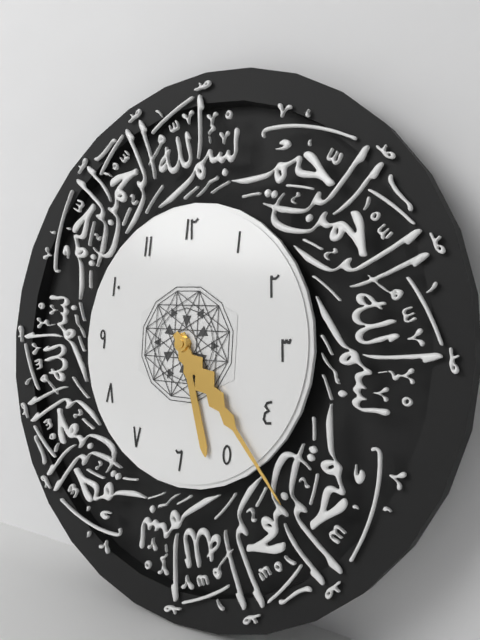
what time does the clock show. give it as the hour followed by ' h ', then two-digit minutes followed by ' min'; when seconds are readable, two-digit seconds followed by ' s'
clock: 5 h 23 min
